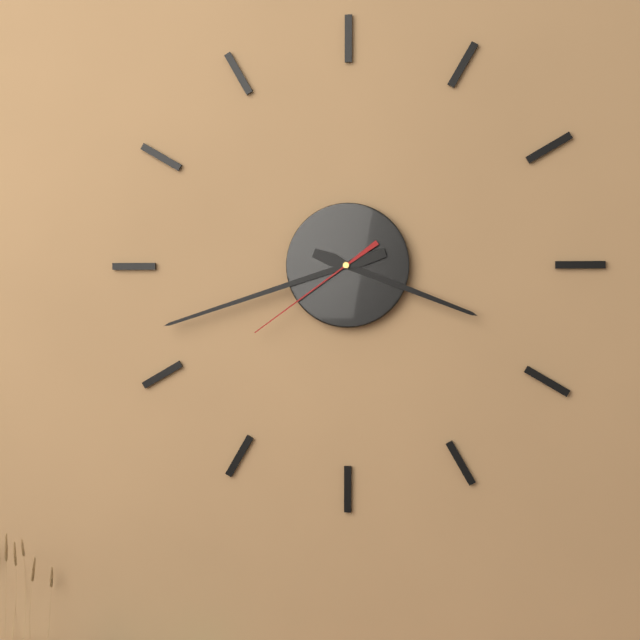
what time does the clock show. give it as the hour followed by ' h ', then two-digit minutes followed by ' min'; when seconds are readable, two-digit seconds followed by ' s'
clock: 3 h 42 min 39 s
